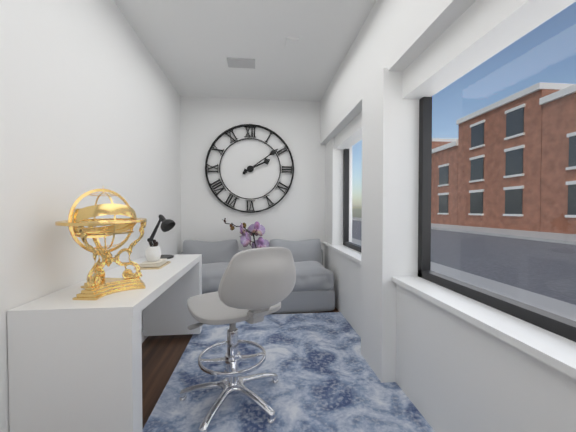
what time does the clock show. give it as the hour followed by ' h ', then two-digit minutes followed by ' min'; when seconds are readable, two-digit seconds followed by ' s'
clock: 2 h 09 min
